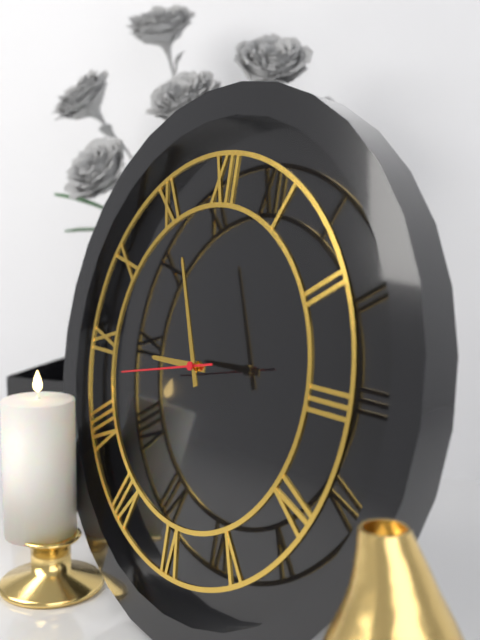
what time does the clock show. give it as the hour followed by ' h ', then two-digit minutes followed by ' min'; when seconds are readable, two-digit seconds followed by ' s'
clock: 8 h 56 min 43 s
